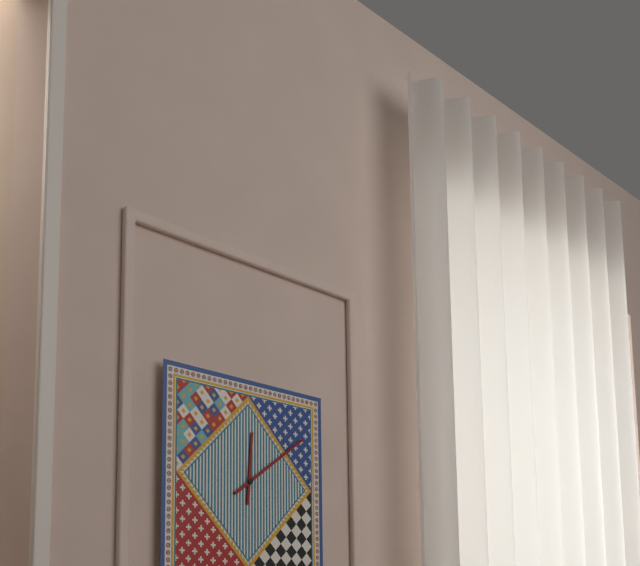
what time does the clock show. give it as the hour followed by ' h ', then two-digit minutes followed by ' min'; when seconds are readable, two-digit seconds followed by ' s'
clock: 12 h 09 min
